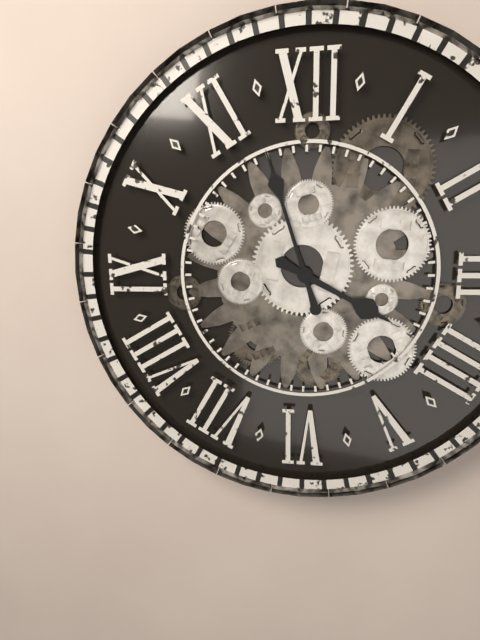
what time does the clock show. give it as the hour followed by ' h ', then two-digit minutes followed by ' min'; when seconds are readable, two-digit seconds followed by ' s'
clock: 3 h 57 min
